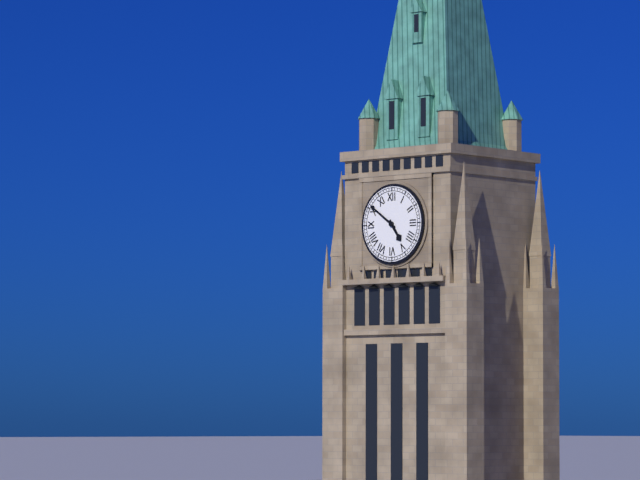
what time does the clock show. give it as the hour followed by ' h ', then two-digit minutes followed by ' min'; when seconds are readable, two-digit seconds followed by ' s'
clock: 4 h 51 min
